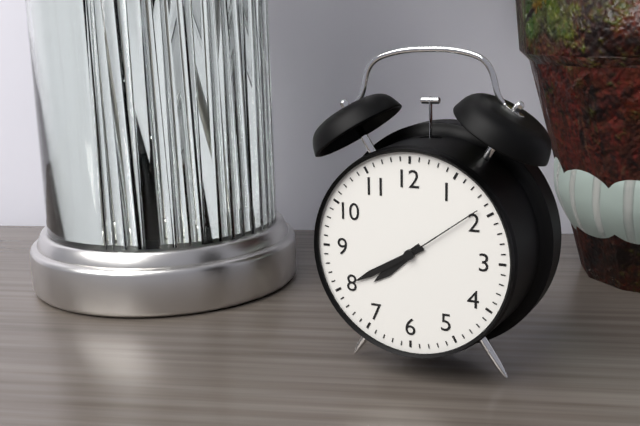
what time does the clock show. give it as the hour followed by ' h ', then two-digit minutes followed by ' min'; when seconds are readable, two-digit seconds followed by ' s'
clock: 7 h 40 min 09 s
